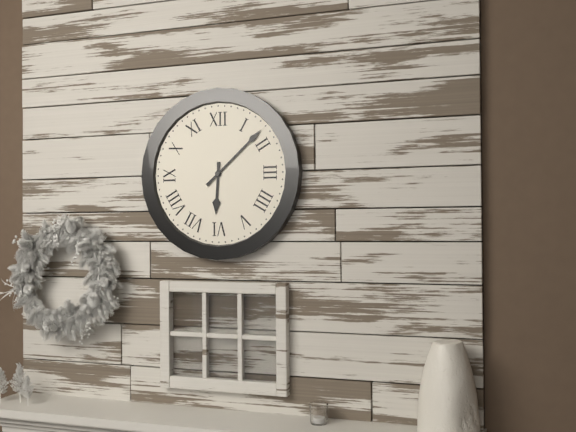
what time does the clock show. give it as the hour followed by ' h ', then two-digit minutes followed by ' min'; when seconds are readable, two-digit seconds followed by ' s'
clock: 6 h 08 min
